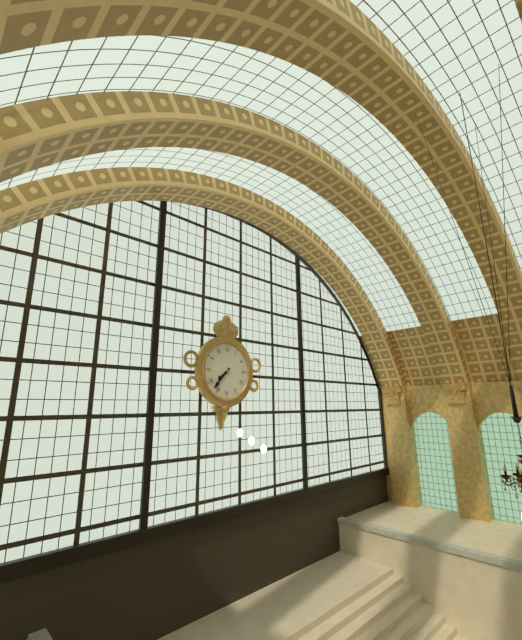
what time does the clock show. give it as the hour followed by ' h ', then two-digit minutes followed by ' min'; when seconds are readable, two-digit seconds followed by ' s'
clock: 7 h 37 min
